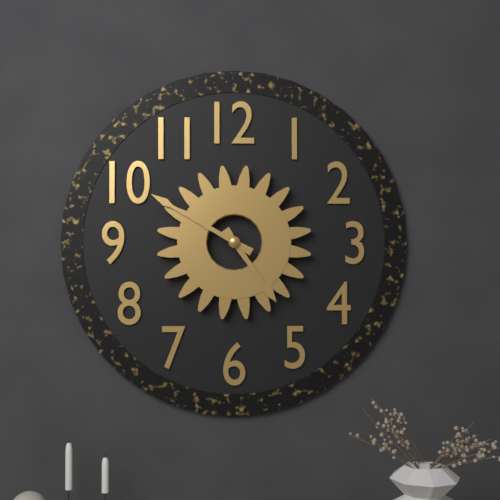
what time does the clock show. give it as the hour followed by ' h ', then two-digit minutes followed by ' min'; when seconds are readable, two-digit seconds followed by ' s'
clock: 4 h 50 min
